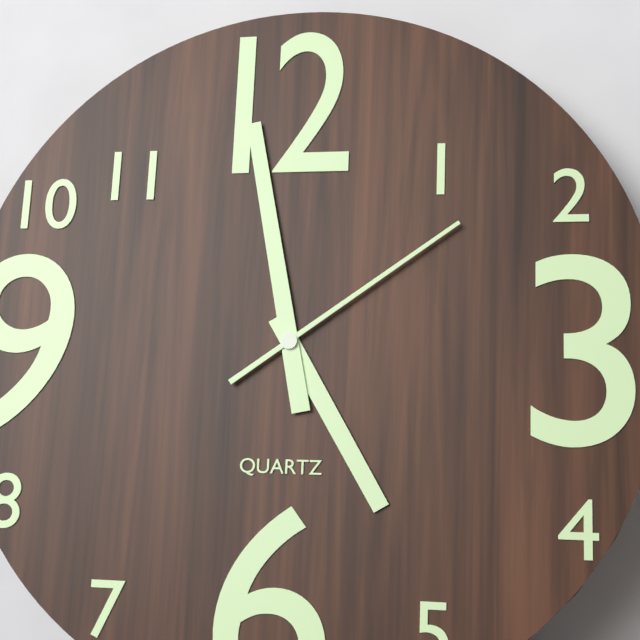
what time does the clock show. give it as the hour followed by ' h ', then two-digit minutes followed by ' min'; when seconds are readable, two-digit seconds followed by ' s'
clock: 4 h 58 min 09 s
